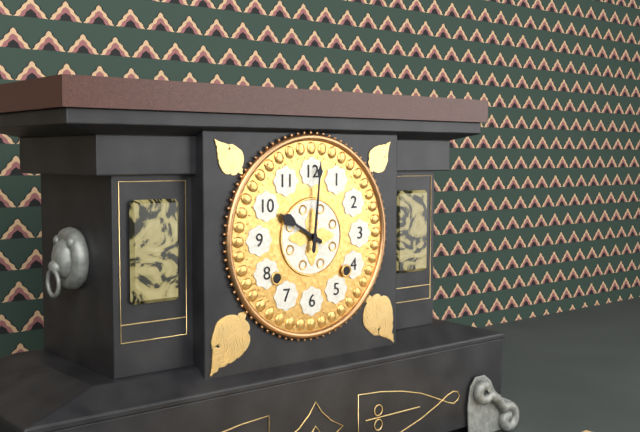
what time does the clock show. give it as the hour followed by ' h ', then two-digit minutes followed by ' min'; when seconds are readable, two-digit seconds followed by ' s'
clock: 10 h 01 min
